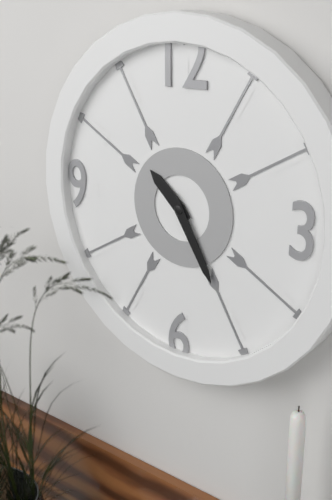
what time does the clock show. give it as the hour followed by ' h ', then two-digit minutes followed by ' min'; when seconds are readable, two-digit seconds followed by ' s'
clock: 10 h 25 min
